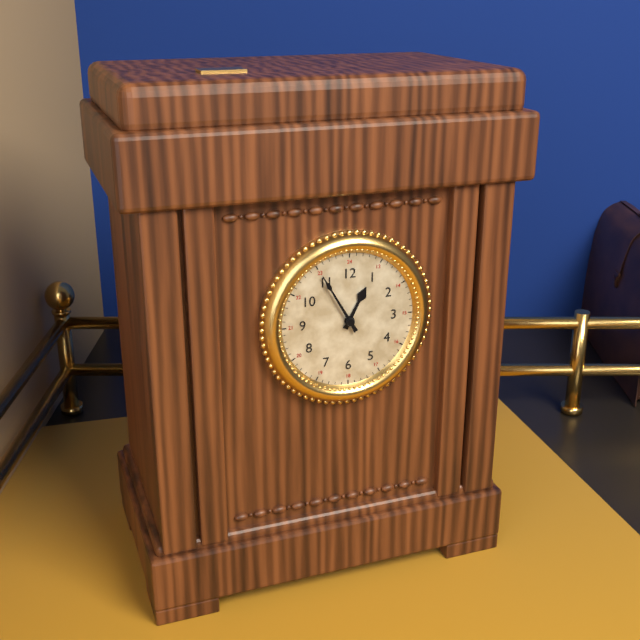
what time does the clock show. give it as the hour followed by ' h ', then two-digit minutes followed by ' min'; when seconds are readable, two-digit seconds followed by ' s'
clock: 12 h 55 min
